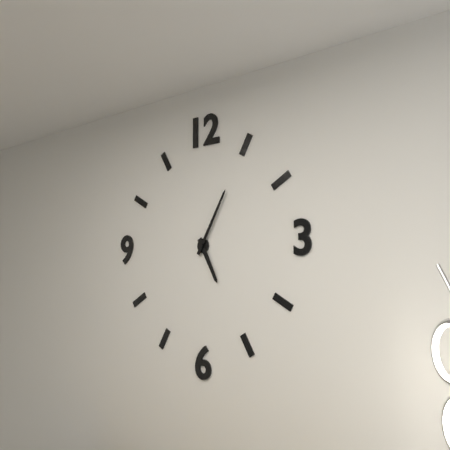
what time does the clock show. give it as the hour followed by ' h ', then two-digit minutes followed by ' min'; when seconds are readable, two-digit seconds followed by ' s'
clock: 5 h 05 min
